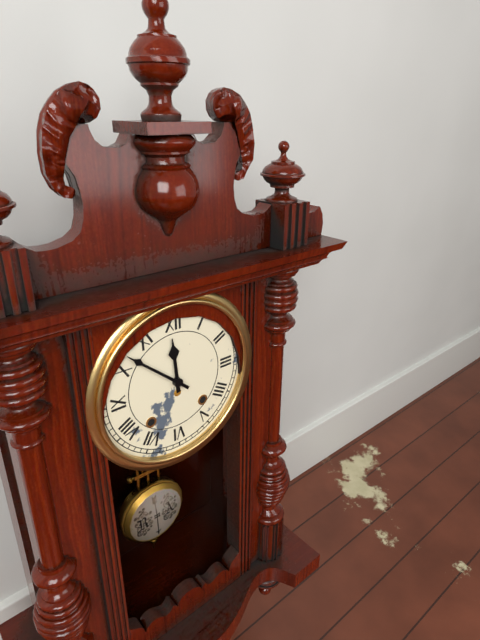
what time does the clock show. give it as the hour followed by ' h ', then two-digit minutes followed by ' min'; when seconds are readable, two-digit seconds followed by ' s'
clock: 11 h 52 min
